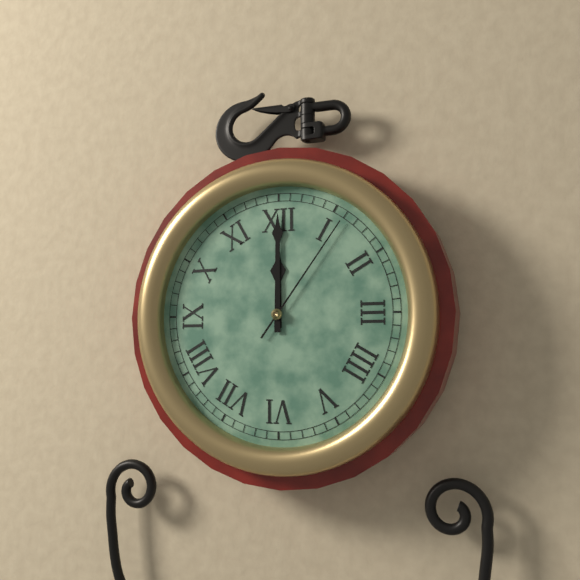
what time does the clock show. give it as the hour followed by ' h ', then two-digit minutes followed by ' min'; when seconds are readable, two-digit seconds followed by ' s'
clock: 12 h 00 min 06 s
